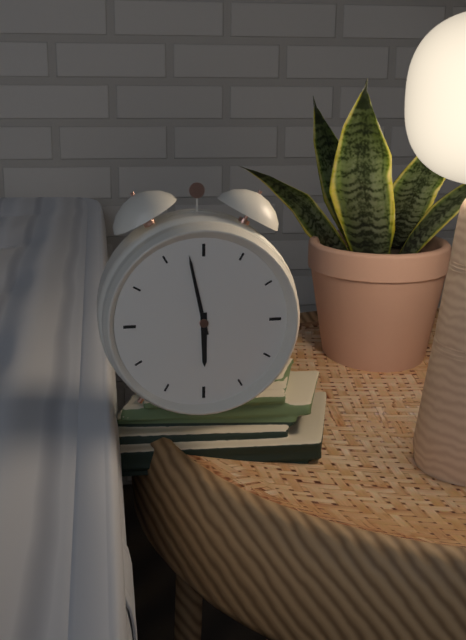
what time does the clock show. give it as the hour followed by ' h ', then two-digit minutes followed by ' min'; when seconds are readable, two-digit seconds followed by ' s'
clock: 5 h 58 min
